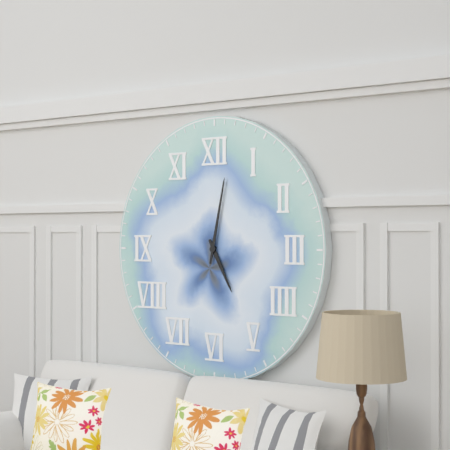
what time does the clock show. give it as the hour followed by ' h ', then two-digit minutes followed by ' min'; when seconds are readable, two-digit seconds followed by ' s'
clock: 5 h 02 min
